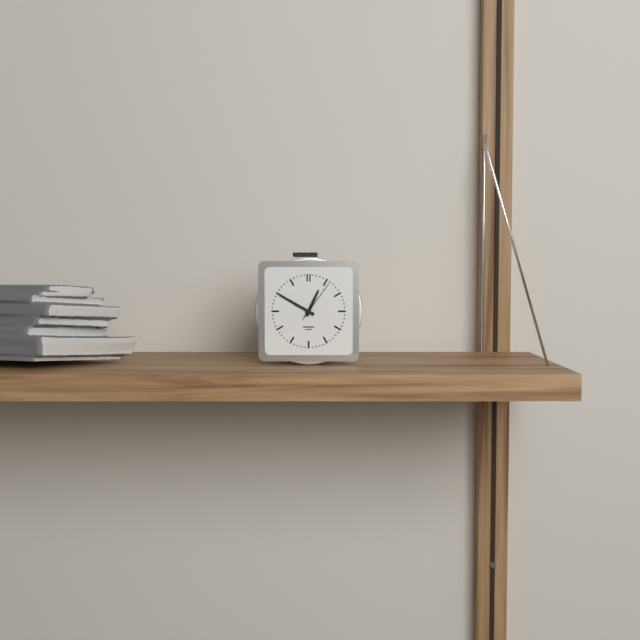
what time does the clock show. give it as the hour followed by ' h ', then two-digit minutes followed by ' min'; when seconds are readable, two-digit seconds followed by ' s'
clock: 12 h 50 min
